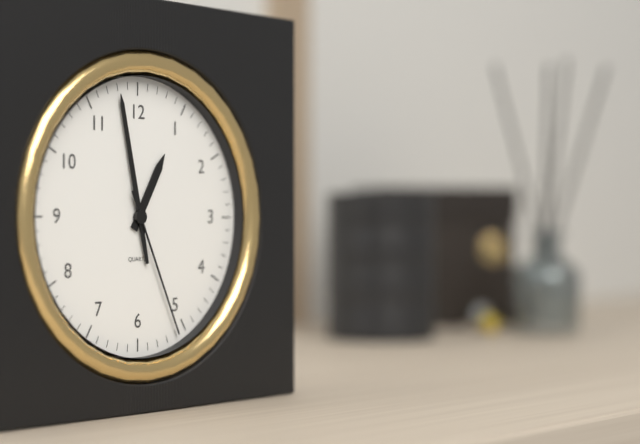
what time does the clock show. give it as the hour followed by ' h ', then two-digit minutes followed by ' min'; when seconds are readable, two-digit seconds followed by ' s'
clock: 12 h 58 min 26 s
